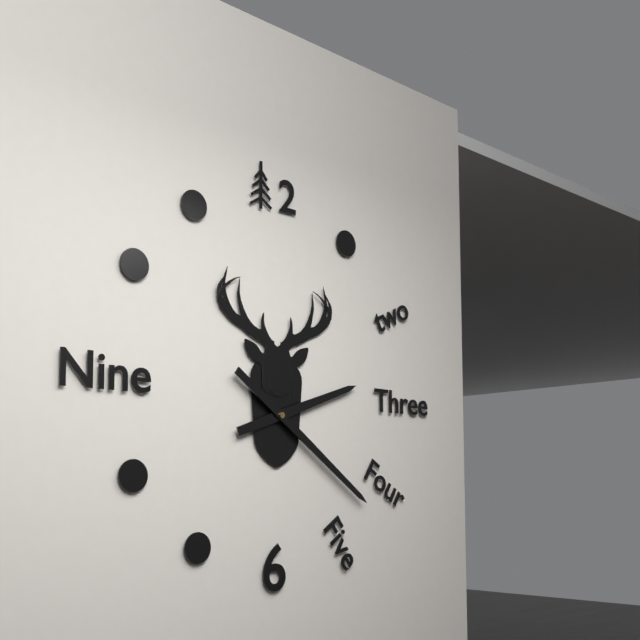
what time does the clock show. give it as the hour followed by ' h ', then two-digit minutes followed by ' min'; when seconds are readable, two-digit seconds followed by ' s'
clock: 2 h 21 min
